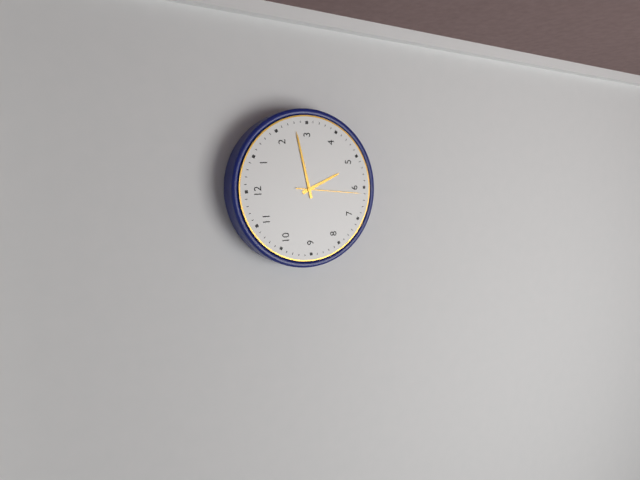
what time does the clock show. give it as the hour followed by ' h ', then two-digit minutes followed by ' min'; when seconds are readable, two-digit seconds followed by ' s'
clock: 5 h 13 min 31 s
